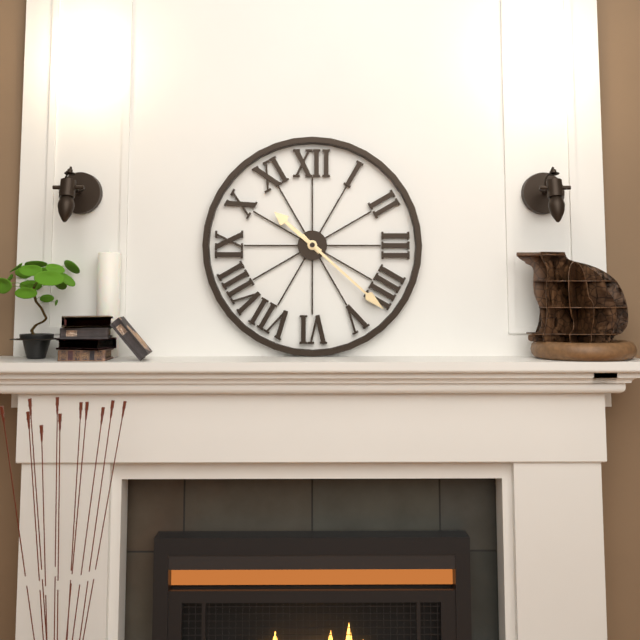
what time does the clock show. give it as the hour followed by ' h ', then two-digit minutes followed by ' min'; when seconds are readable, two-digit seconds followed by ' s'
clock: 10 h 22 min
